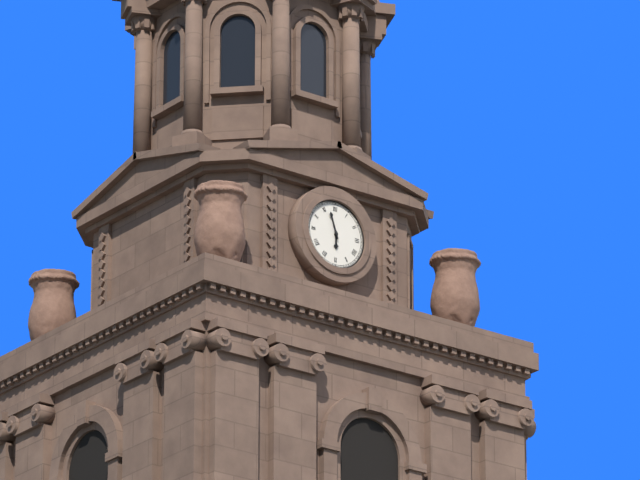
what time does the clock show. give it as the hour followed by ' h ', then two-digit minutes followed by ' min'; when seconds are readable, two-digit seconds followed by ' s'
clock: 5 h 57 min
